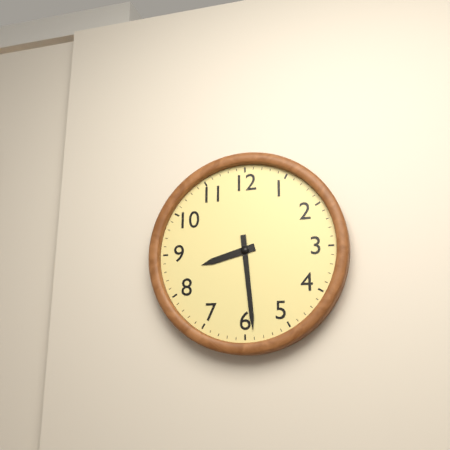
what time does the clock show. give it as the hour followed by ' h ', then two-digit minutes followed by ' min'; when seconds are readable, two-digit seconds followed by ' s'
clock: 8 h 29 min
